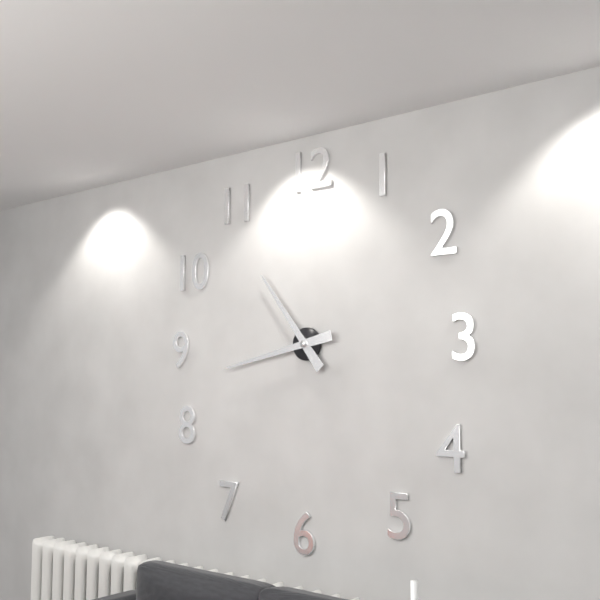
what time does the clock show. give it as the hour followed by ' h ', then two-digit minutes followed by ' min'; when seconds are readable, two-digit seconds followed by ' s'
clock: 10 h 43 min
